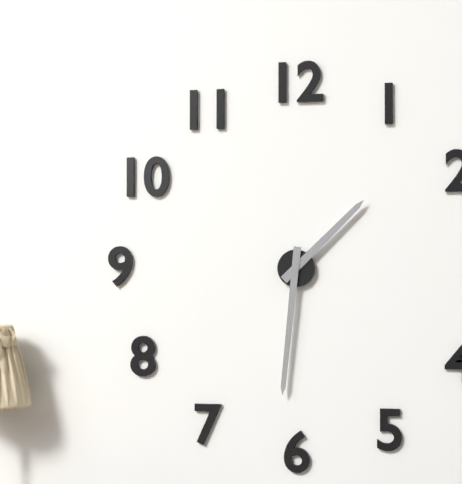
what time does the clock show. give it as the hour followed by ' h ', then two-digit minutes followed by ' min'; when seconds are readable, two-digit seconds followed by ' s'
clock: 1 h 31 min
